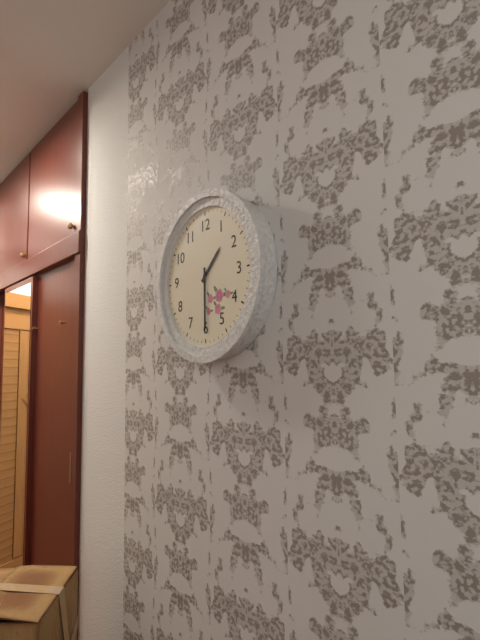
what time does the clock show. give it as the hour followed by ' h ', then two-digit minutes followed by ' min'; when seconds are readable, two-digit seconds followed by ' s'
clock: 1 h 30 min
